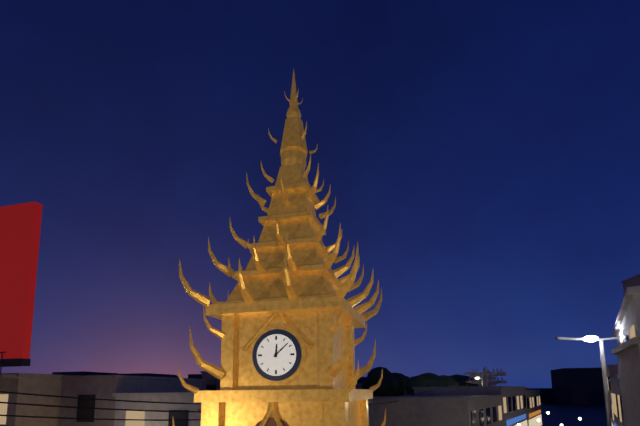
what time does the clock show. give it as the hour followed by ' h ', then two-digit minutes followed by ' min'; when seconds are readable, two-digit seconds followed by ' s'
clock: 12 h 08 min
